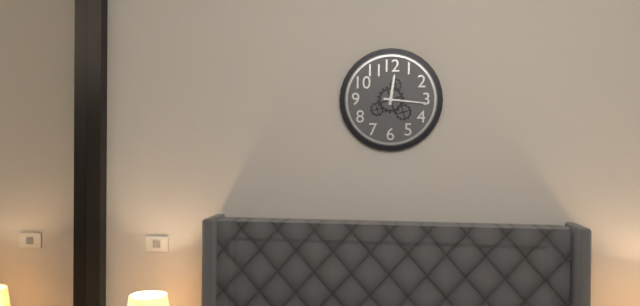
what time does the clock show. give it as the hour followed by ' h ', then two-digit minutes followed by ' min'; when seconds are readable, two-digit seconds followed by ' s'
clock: 12 h 16 min
